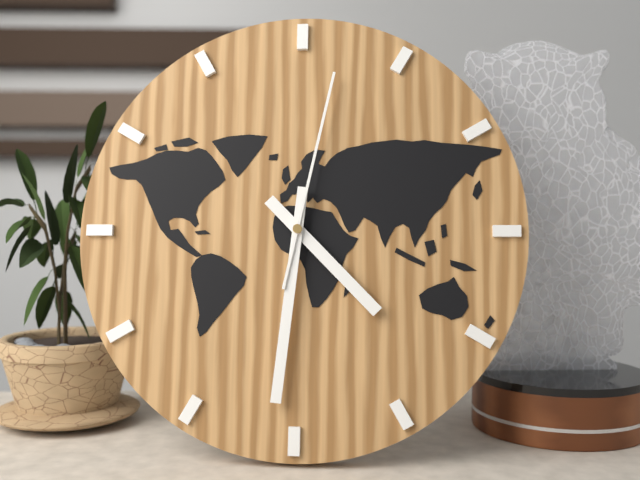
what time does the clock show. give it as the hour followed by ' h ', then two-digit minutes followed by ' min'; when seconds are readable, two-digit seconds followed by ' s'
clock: 4 h 31 min 02 s
